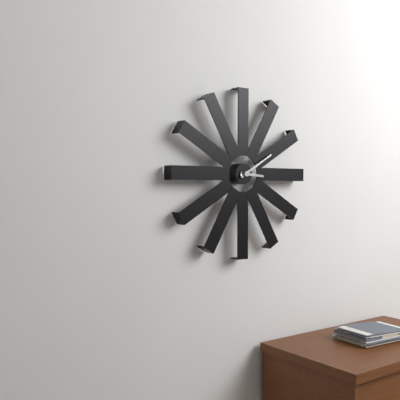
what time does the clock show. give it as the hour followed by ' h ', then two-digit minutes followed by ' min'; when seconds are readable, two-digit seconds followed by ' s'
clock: 3 h 10 min
